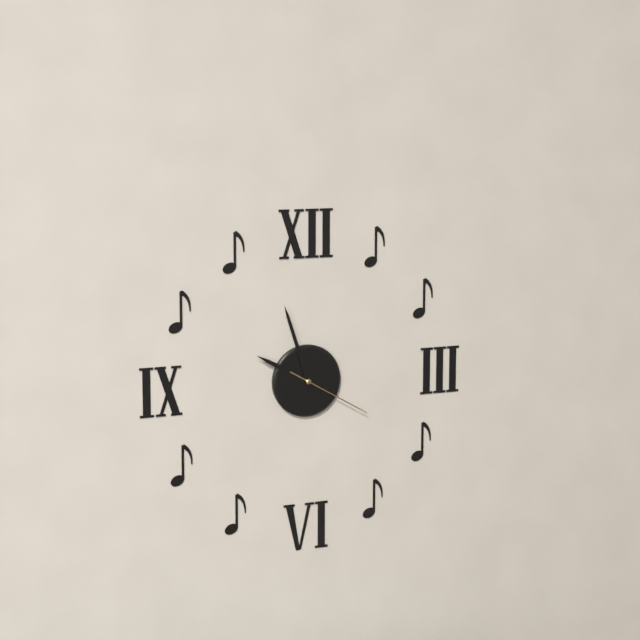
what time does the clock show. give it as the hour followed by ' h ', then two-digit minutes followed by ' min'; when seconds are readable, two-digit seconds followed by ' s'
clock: 9 h 57 min 20 s
